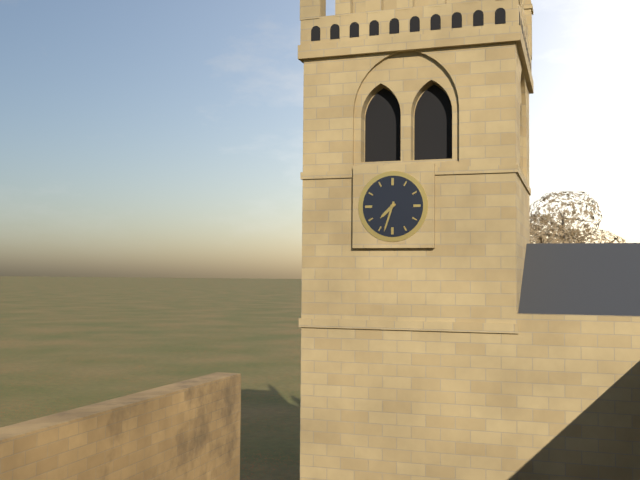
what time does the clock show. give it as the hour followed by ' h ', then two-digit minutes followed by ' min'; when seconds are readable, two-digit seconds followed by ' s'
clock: 7 h 33 min
